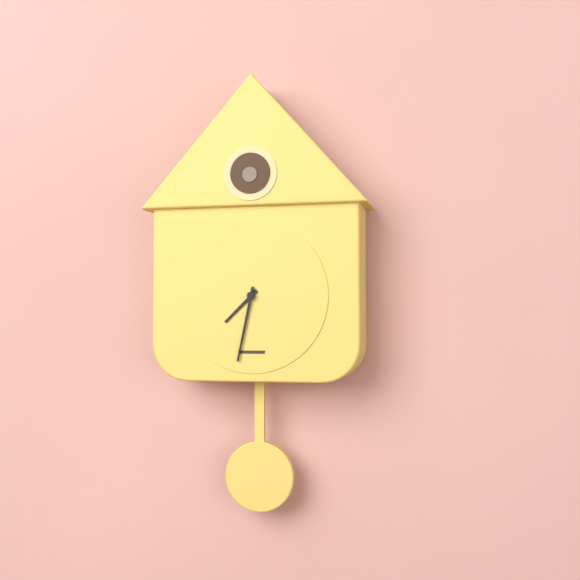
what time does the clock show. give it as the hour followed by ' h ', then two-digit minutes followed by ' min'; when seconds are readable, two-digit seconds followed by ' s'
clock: 7 h 32 min
